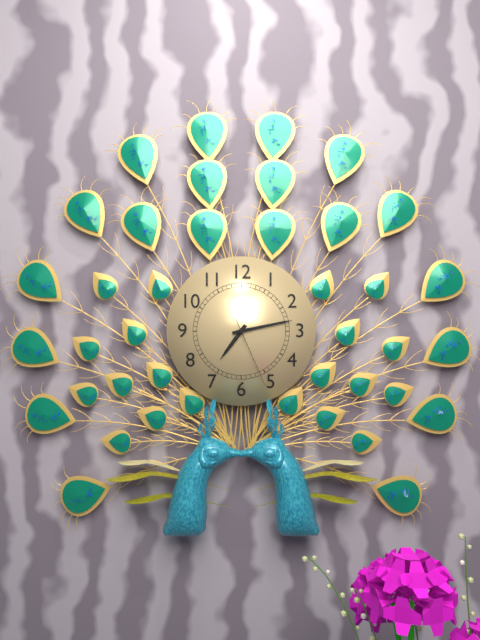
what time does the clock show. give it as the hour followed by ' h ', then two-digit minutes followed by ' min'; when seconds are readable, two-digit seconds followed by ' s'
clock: 7 h 13 min 26 s
